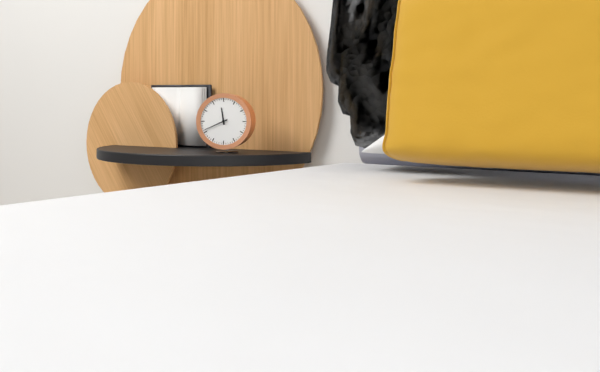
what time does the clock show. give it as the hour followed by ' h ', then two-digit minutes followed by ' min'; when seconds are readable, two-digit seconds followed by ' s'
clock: 11 h 41 min
